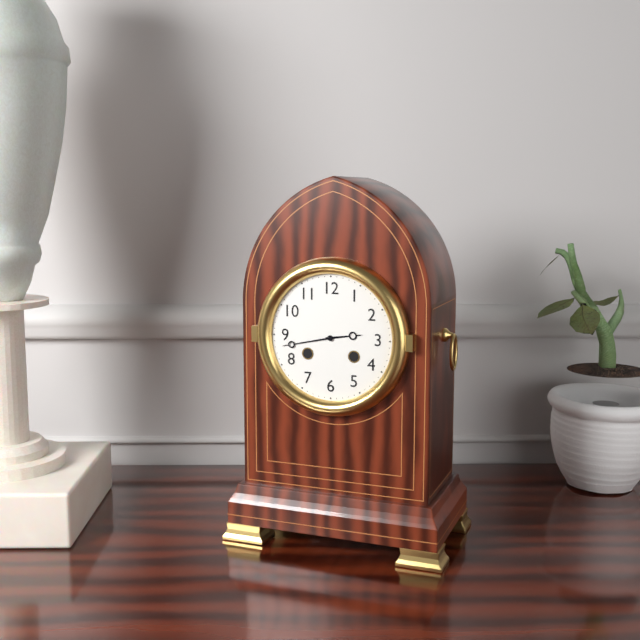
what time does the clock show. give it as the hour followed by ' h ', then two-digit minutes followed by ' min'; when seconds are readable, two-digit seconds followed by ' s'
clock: 2 h 43 min
